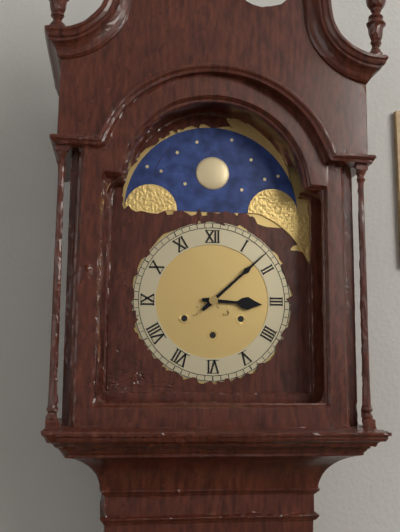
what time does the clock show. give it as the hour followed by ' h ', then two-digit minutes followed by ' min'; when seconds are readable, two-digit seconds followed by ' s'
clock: 3 h 08 min
